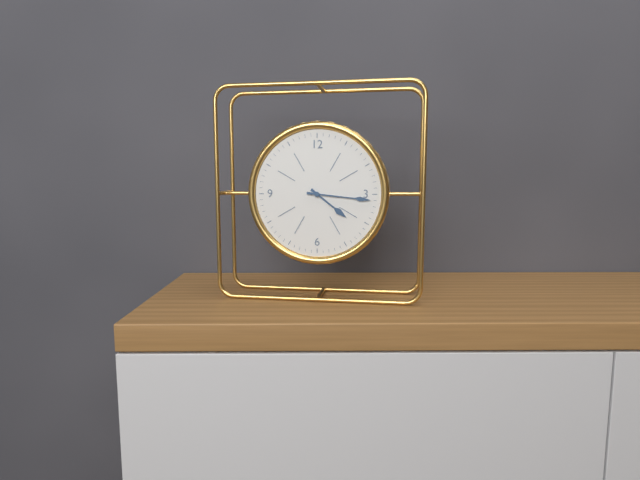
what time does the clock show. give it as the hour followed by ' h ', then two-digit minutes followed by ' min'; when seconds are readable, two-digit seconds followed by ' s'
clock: 4 h 16 min
